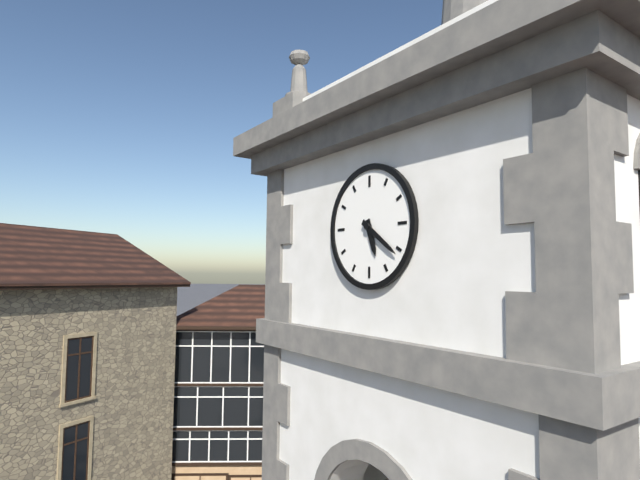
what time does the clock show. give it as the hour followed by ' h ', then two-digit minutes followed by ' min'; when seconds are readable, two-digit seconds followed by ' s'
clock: 5 h 21 min
